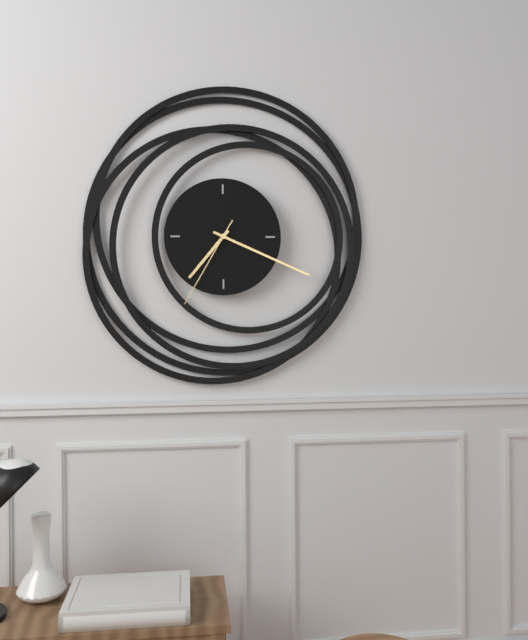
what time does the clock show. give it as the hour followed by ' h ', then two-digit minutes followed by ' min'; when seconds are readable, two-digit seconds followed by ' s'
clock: 7 h 19 min 35 s
